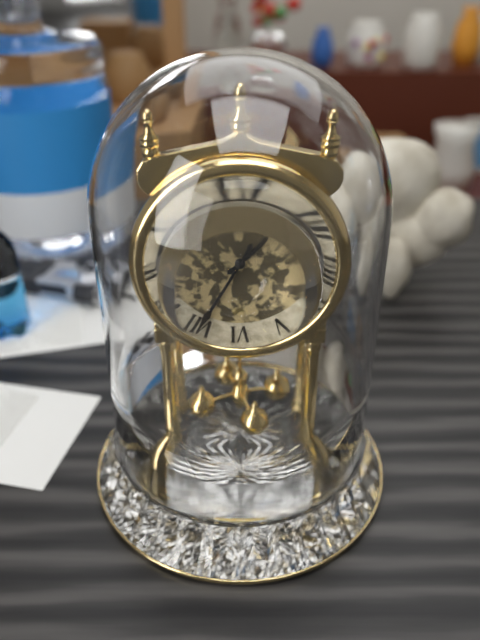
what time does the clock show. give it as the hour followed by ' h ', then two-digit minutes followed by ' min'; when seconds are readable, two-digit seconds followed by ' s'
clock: 1 h 35 min
